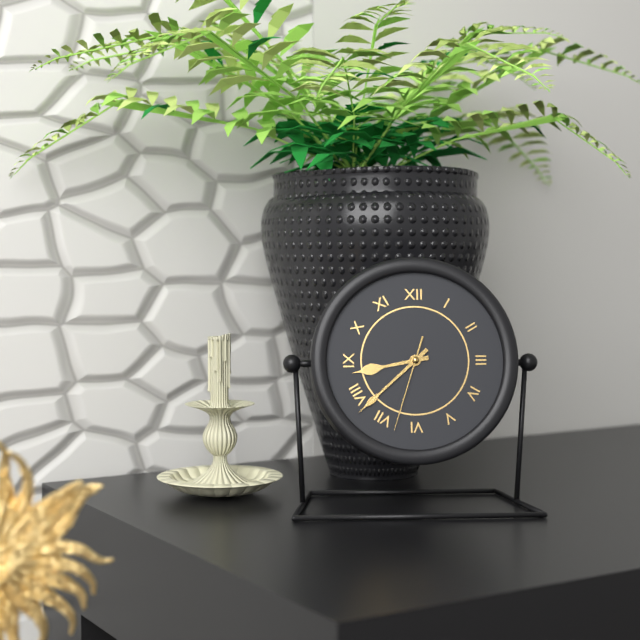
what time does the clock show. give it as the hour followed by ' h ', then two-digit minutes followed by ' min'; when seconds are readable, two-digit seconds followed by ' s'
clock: 8 h 38 min 33 s
